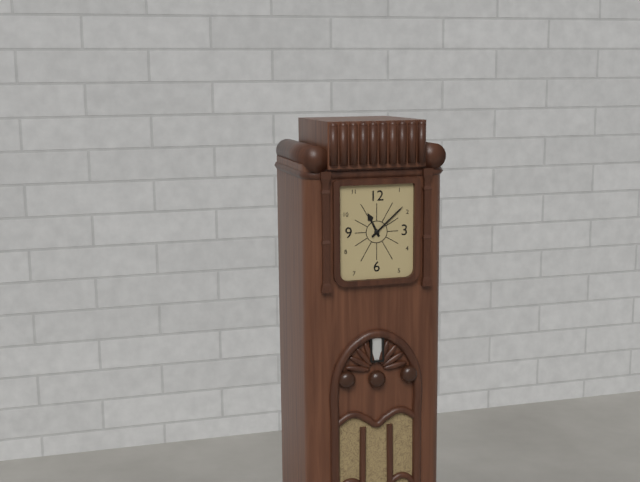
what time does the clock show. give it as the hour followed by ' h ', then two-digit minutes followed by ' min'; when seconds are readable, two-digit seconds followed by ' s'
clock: 11 h 08 min
